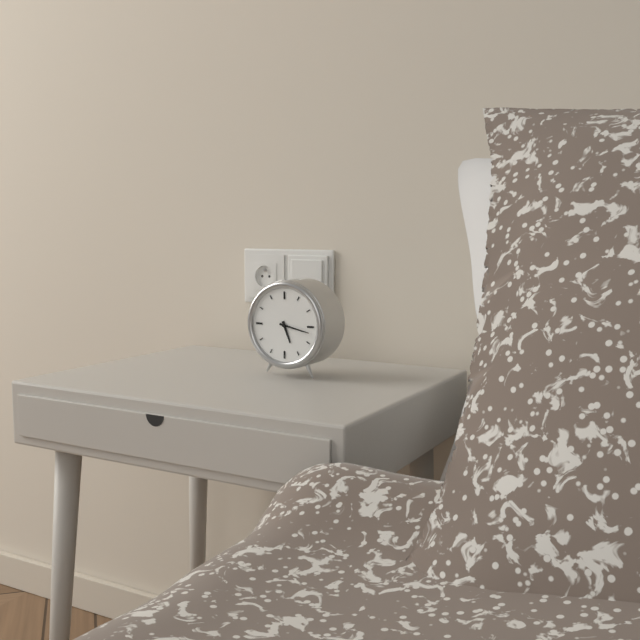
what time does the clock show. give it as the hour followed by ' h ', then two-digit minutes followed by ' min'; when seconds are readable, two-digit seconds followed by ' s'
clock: 5 h 17 min
